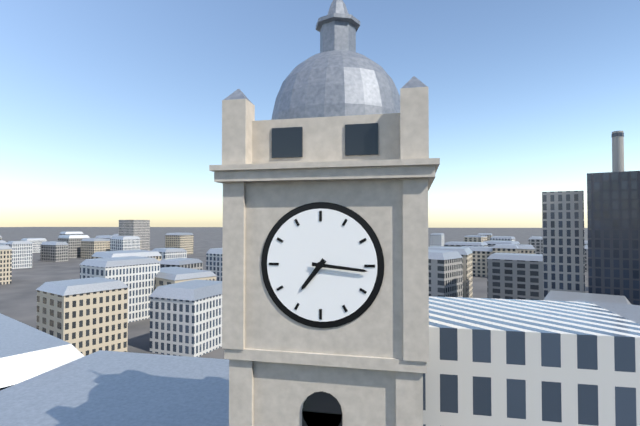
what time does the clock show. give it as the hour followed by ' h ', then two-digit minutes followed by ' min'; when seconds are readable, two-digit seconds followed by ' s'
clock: 7 h 16 min
